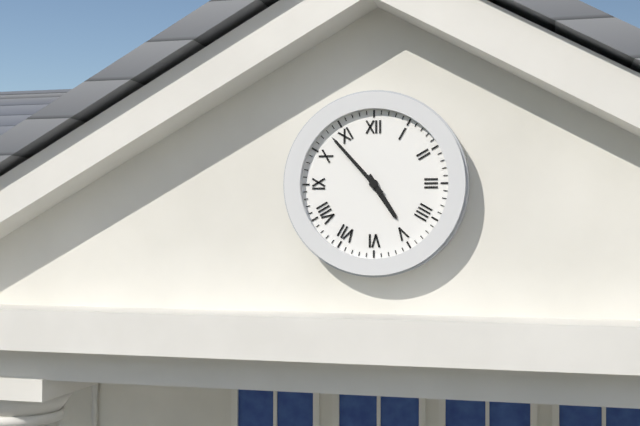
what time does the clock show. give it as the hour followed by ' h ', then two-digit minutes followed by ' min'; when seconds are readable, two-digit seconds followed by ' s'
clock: 4 h 53 min
